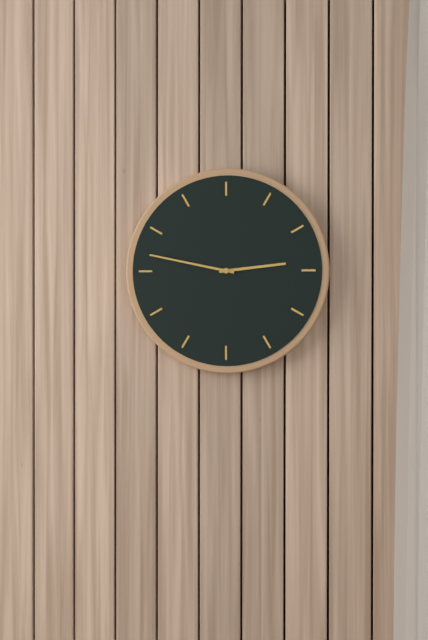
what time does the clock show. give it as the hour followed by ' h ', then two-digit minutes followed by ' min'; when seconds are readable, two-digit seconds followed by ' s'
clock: 2 h 47 min
